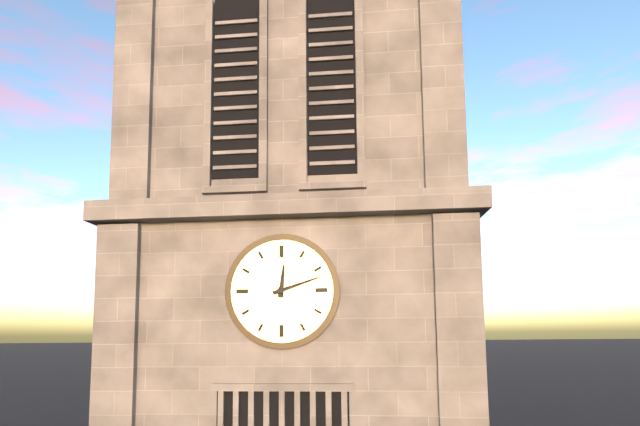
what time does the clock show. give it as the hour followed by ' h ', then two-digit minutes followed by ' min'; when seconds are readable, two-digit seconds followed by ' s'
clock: 12 h 12 min
